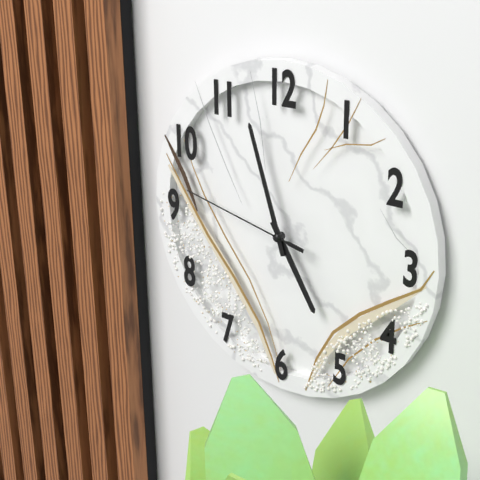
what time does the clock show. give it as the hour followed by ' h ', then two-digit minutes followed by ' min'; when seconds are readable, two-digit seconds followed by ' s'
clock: 4 h 57 min 47 s
